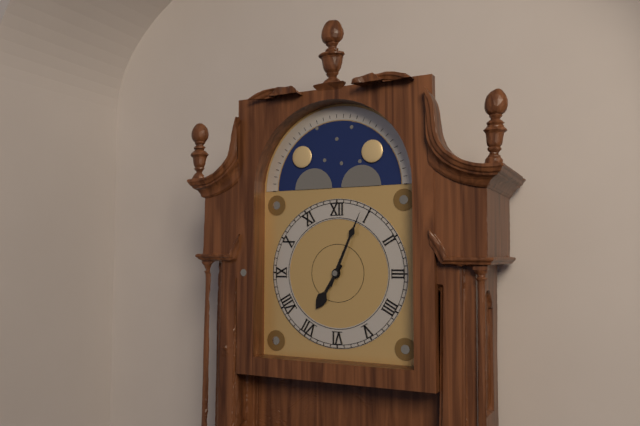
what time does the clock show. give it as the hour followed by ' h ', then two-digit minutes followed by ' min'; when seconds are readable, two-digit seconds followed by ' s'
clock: 7 h 04 min
